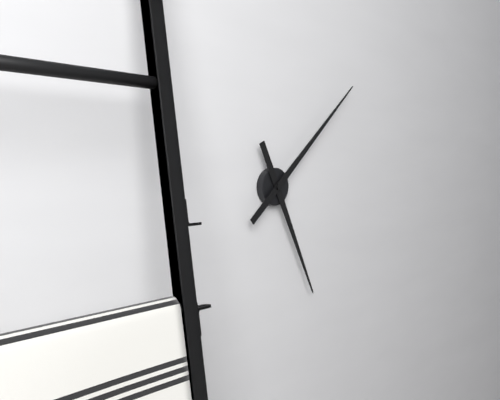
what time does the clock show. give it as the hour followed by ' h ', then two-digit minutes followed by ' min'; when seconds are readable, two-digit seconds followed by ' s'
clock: 5 h 08 min
